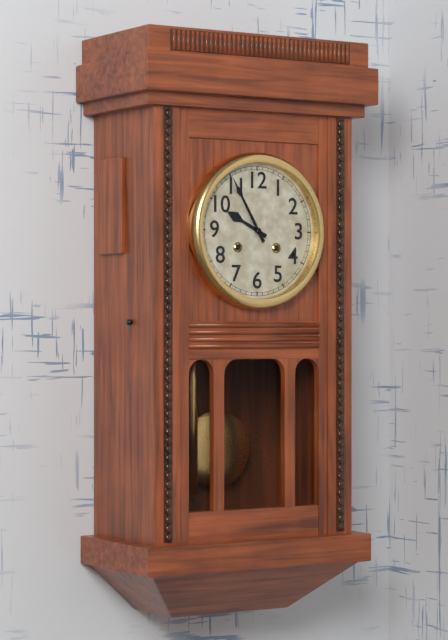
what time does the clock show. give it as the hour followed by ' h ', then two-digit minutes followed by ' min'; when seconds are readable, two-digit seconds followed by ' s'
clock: 9 h 55 min
